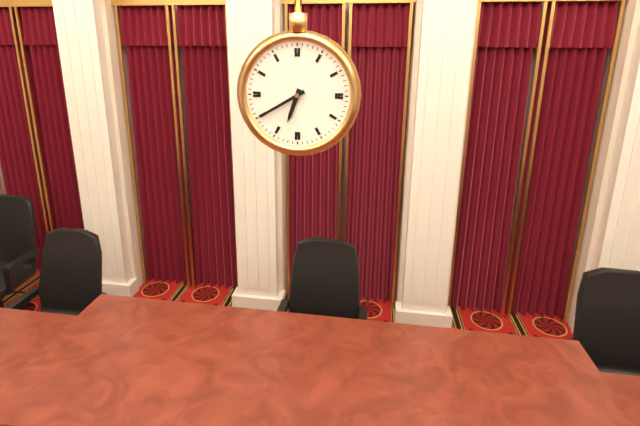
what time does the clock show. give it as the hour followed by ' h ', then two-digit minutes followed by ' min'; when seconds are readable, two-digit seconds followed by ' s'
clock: 6 h 40 min
